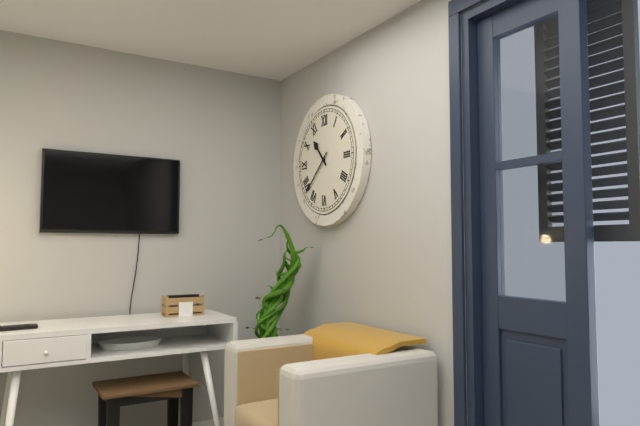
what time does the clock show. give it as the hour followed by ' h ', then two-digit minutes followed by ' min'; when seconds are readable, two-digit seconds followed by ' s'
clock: 10 h 38 min
